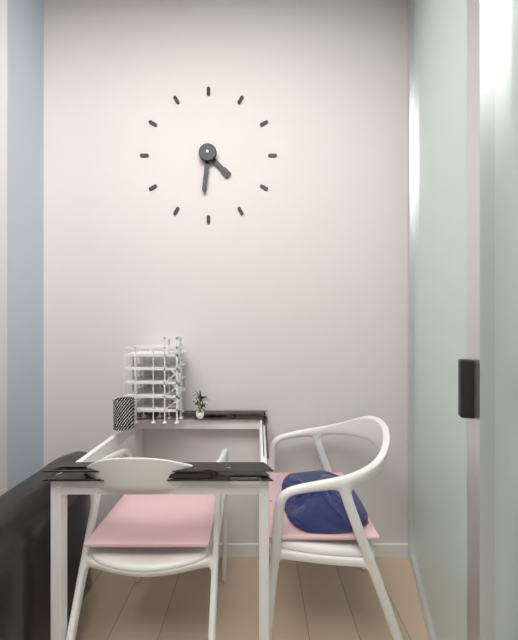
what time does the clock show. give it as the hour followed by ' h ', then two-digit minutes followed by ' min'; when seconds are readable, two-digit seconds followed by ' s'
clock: 4 h 31 min
